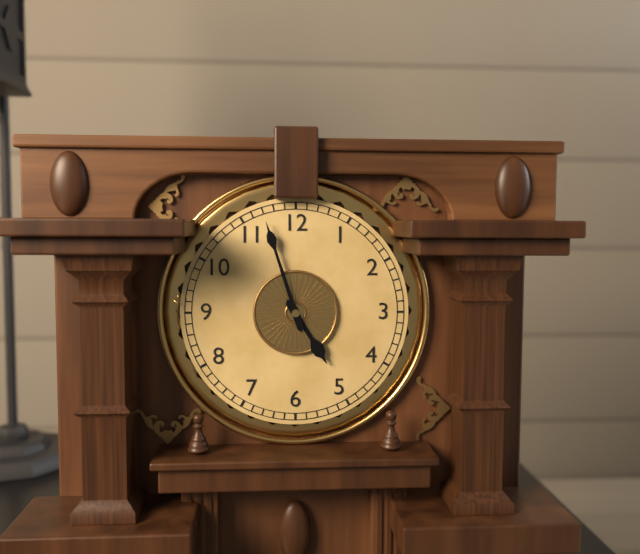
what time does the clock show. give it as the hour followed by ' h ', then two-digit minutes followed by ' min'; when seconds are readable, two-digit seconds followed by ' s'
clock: 4 h 57 min
